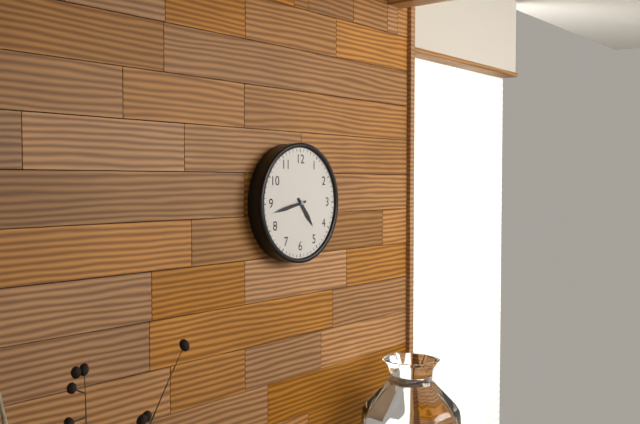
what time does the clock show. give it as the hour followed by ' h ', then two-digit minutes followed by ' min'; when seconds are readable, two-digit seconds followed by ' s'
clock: 4 h 43 min
